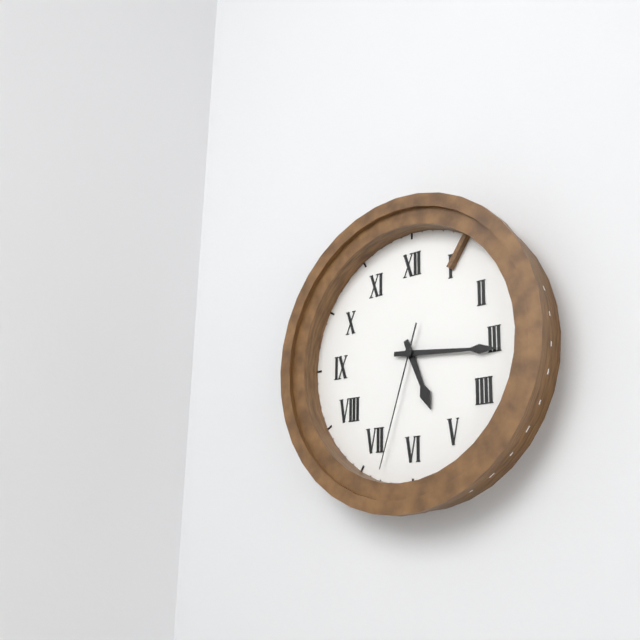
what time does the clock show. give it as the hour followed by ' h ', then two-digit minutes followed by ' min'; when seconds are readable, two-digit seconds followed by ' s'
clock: 5 h 16 min 33 s
